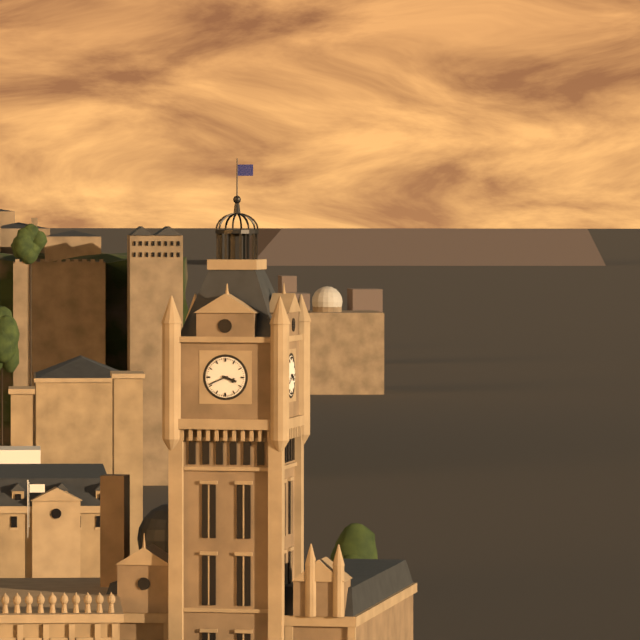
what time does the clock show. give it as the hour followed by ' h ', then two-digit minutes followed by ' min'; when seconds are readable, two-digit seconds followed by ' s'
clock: 3 h 41 min
